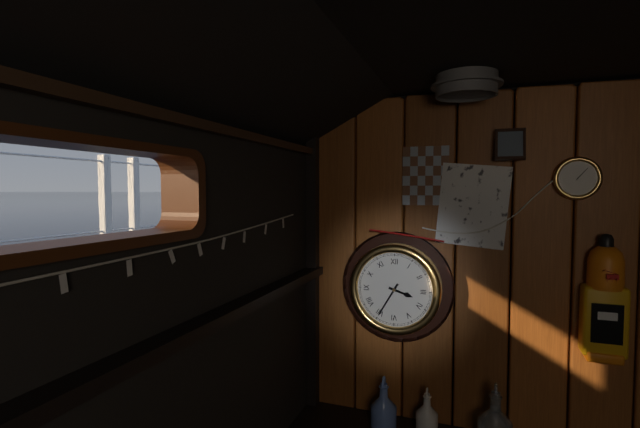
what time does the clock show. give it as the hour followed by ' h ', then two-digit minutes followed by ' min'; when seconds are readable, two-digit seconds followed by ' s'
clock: 3 h 35 min
